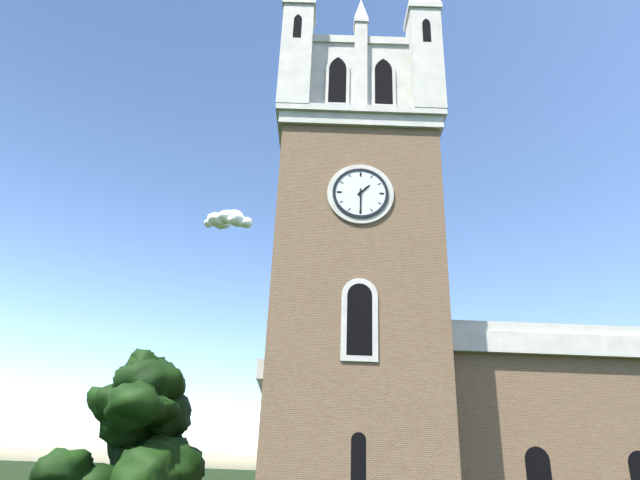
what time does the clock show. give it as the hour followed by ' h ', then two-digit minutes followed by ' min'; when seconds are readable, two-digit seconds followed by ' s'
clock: 1 h 30 min
